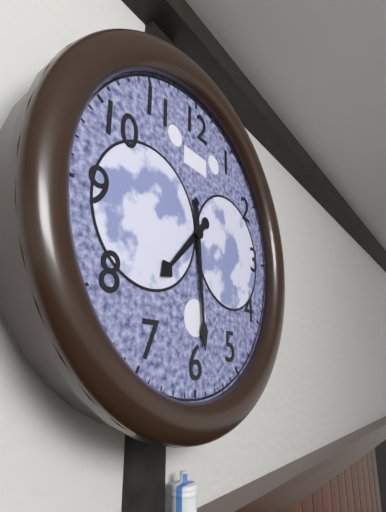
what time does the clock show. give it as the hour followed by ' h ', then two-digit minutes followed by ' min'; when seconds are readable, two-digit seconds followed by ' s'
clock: 7 h 29 min
